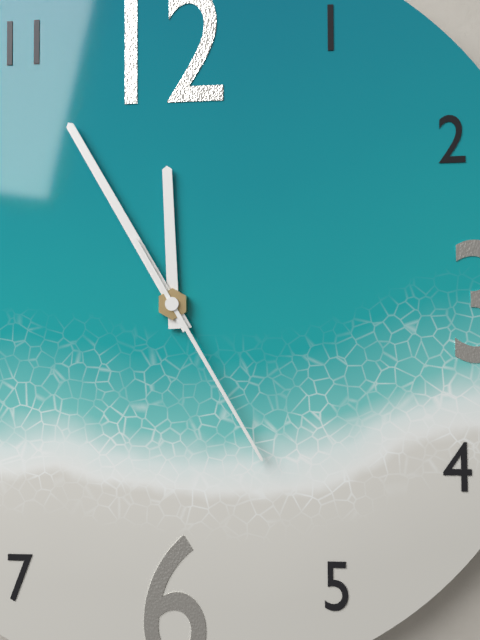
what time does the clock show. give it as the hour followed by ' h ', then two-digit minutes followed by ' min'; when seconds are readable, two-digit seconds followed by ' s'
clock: 11 h 55 min 25 s
